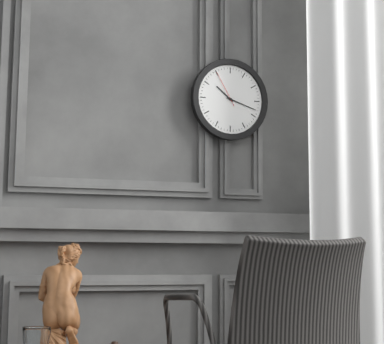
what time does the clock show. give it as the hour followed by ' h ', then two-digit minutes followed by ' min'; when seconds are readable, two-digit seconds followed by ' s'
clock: 10 h 18 min
